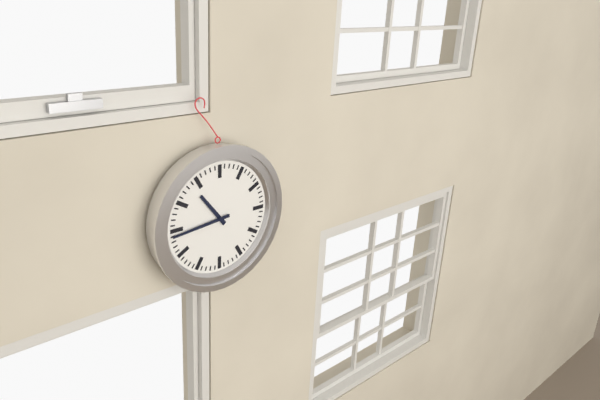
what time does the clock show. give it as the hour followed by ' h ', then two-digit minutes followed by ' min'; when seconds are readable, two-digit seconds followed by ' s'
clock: 10 h 44 min
